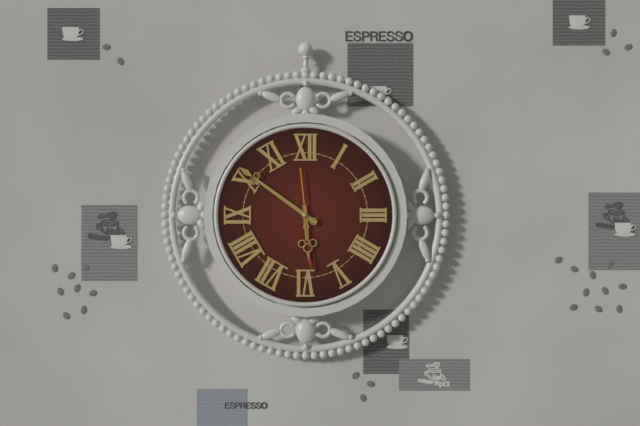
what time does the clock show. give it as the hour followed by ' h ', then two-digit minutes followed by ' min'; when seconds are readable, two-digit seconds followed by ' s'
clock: 5 h 51 min 29 s
